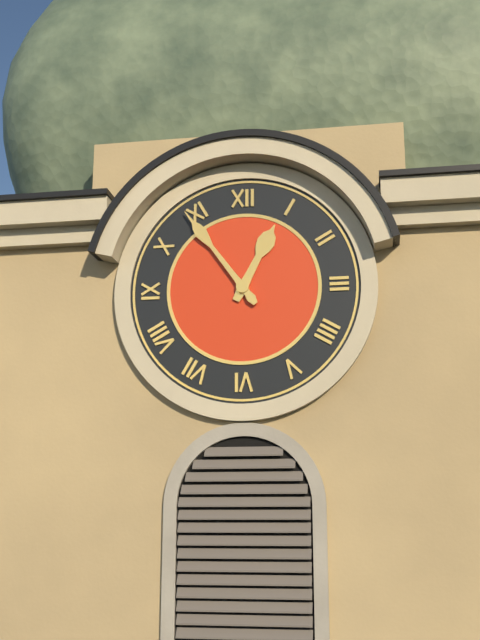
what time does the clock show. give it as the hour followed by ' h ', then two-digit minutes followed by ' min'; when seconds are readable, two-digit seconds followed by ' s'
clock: 12 h 54 min
